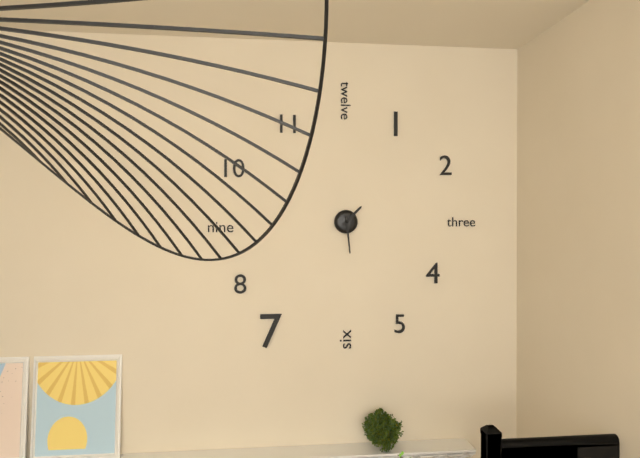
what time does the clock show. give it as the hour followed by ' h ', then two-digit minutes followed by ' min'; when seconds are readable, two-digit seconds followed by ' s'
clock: 1 h 29 min
